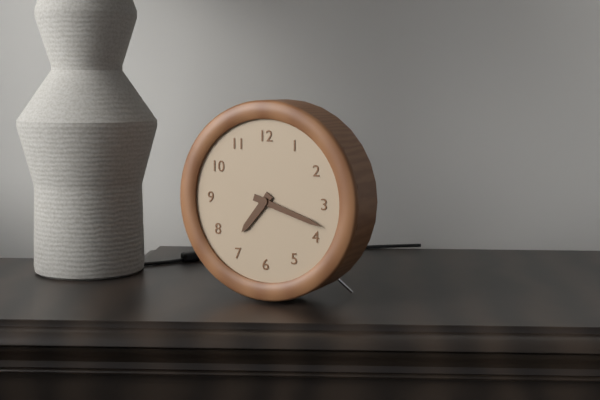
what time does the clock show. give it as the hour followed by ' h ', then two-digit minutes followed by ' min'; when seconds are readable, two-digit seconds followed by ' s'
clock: 7 h 18 min
